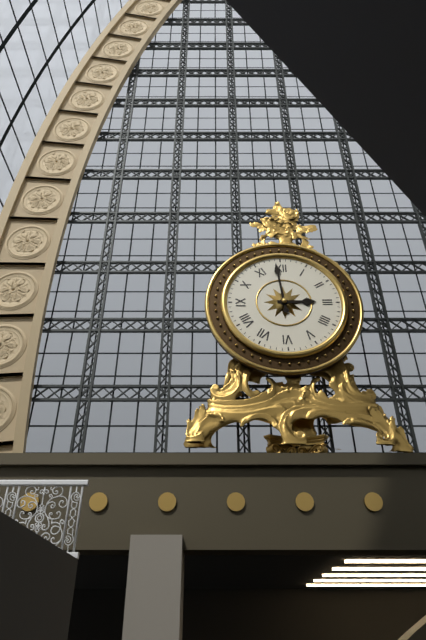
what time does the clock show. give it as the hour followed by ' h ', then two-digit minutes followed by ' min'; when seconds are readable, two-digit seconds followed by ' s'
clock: 2 h 59 min
